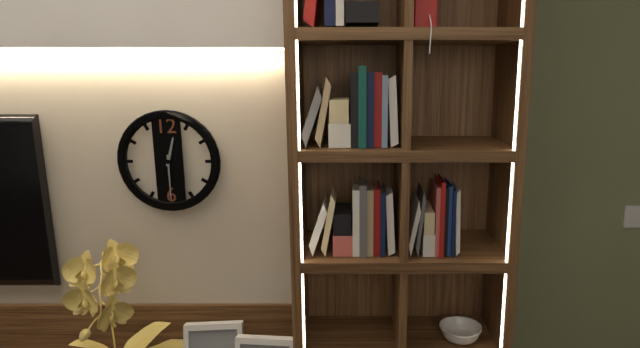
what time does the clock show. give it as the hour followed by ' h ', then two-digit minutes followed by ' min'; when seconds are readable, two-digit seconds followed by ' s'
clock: 12 h 30 min
